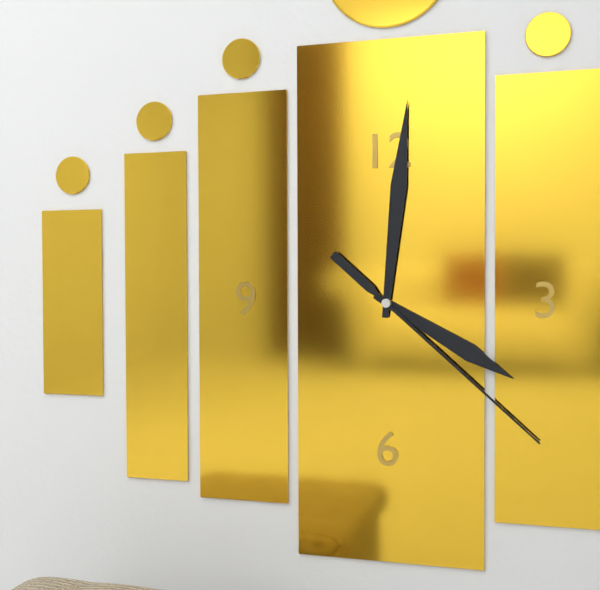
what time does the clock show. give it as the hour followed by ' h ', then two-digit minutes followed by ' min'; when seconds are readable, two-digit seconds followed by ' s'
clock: 4 h 01 min 22 s
